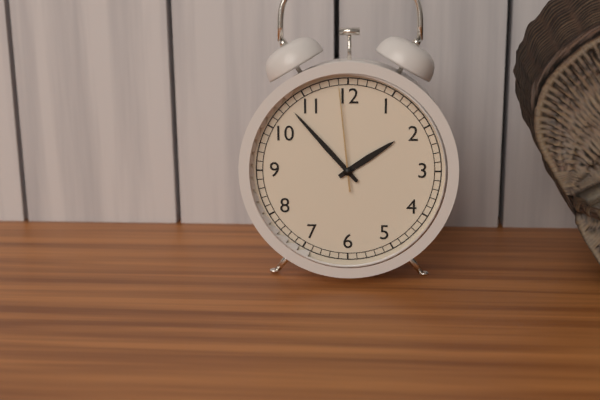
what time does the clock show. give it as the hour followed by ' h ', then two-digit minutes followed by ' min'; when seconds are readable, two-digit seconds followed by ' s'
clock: 1 h 53 min 59 s
